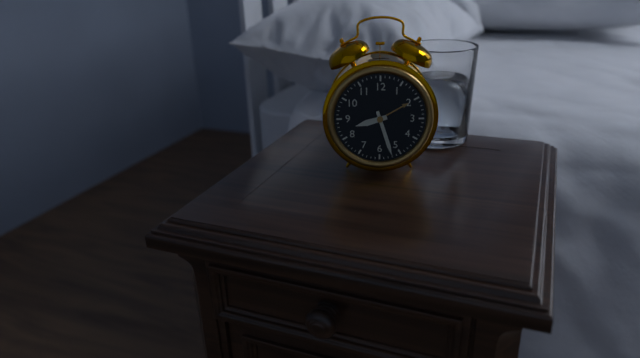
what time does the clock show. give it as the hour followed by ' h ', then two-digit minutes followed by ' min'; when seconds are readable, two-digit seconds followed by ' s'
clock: 8 h 27 min
